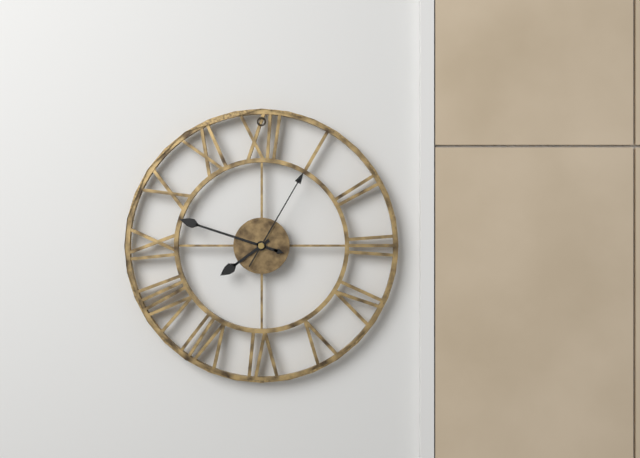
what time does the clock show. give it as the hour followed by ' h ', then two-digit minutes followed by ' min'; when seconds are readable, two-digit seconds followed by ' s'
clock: 7 h 48 min 05 s
